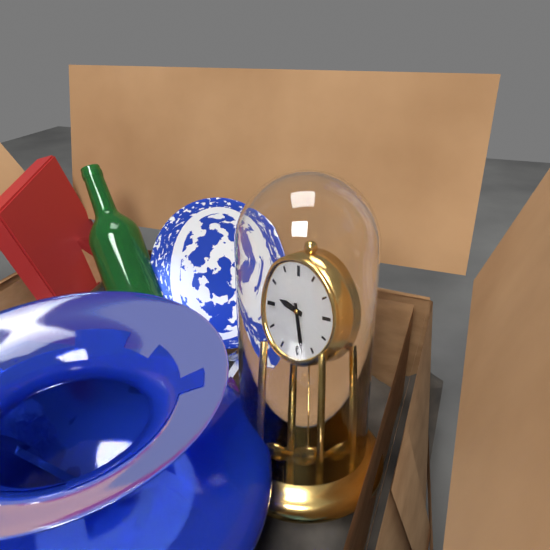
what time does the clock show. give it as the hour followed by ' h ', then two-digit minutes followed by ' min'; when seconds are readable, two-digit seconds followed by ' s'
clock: 9 h 28 min
